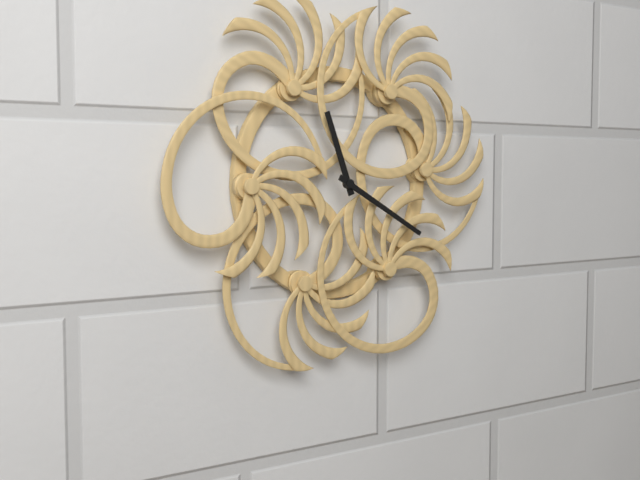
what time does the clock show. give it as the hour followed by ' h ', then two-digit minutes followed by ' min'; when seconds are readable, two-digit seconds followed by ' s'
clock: 11 h 20 min
